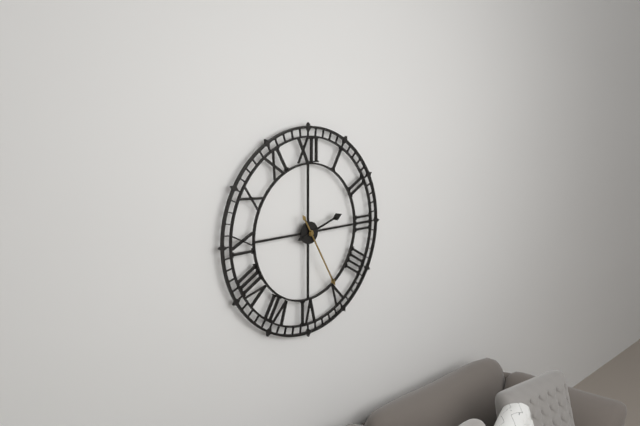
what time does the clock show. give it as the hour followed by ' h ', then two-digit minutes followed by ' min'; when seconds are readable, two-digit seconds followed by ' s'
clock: 2 h 25 min
